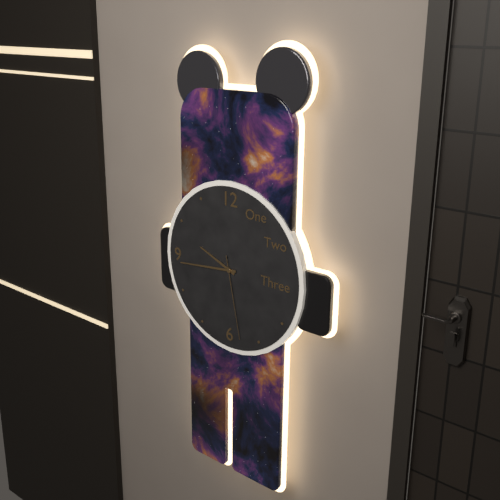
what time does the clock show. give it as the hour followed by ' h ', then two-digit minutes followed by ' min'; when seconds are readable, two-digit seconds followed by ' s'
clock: 9 h 44 min 28 s
